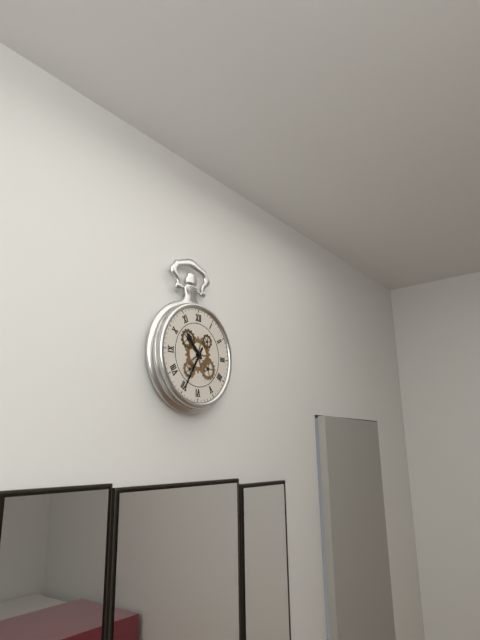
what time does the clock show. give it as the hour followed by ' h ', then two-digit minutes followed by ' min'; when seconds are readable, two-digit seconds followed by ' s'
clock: 10 h 35 min
